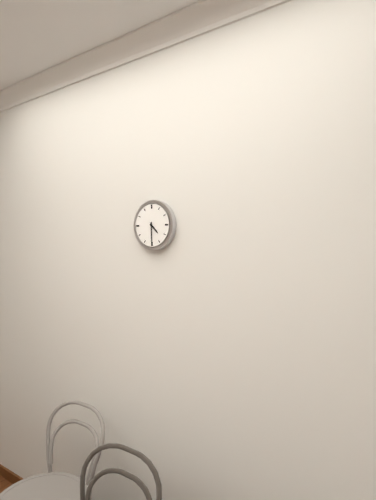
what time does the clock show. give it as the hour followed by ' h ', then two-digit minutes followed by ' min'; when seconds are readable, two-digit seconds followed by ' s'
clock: 4 h 30 min
